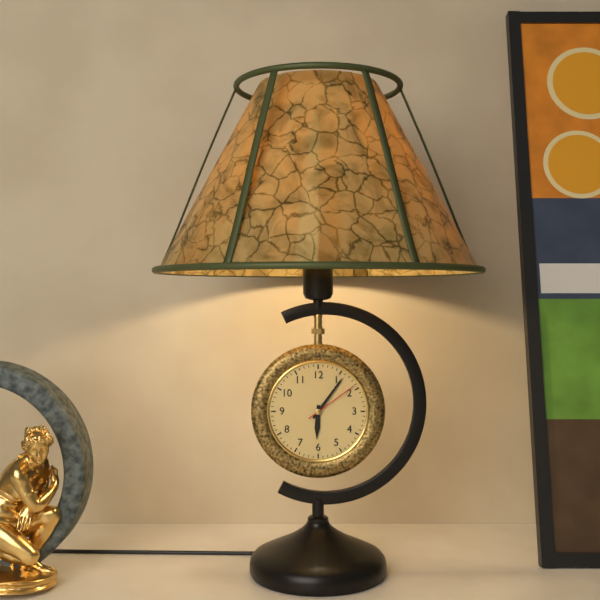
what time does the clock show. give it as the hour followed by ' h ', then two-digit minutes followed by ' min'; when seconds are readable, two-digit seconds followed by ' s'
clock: 6 h 06 min 09 s
